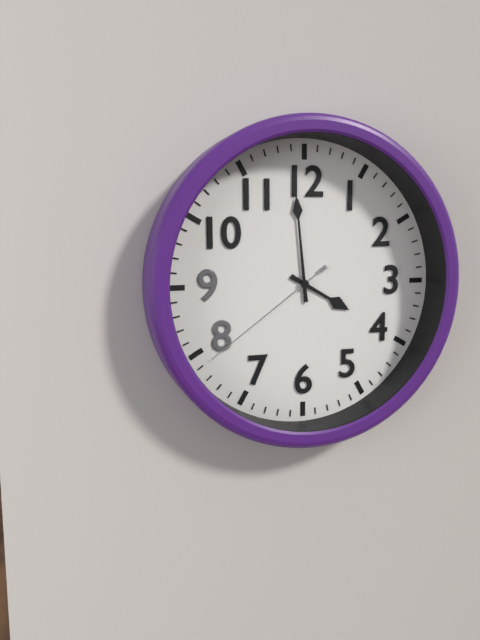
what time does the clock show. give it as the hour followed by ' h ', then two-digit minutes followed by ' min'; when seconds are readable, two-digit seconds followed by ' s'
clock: 3 h 59 min 39 s
